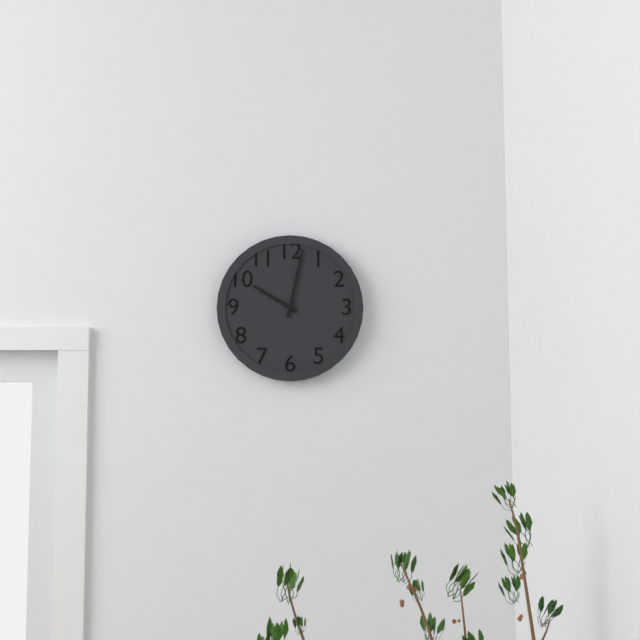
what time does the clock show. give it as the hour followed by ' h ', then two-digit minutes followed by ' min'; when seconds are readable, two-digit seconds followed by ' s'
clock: 10 h 02 min
